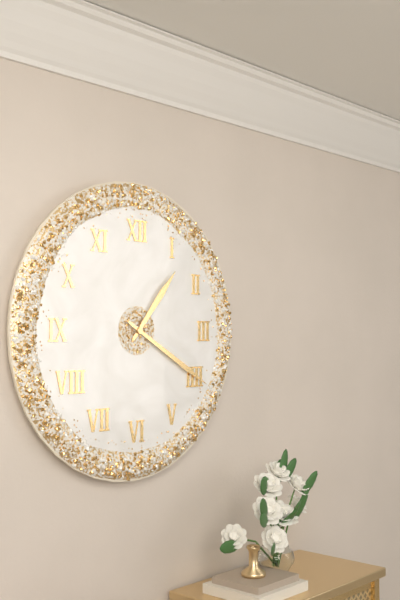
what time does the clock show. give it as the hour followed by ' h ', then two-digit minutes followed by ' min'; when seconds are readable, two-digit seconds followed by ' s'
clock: 1 h 20 min
